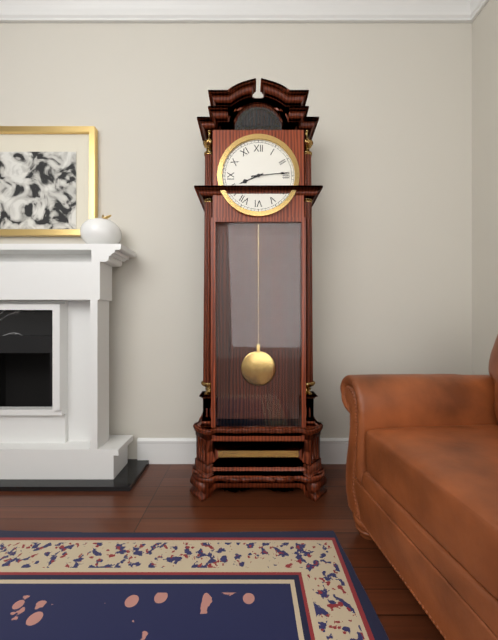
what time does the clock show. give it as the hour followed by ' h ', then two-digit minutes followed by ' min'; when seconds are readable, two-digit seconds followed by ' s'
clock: 8 h 14 min
